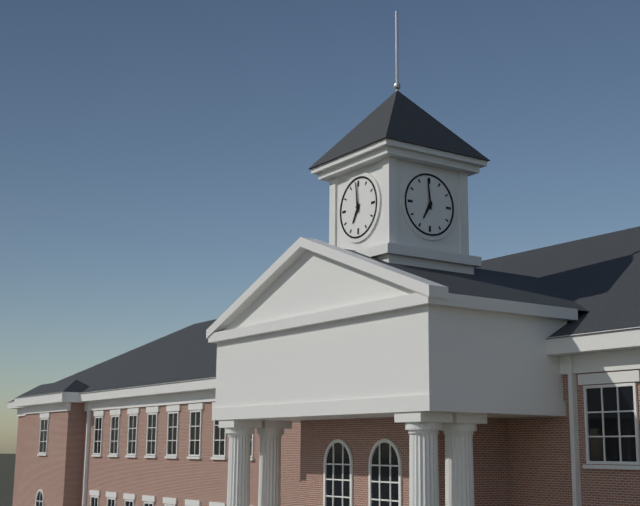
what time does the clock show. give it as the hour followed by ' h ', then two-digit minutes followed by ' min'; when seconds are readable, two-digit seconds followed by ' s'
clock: 6 h 59 min
